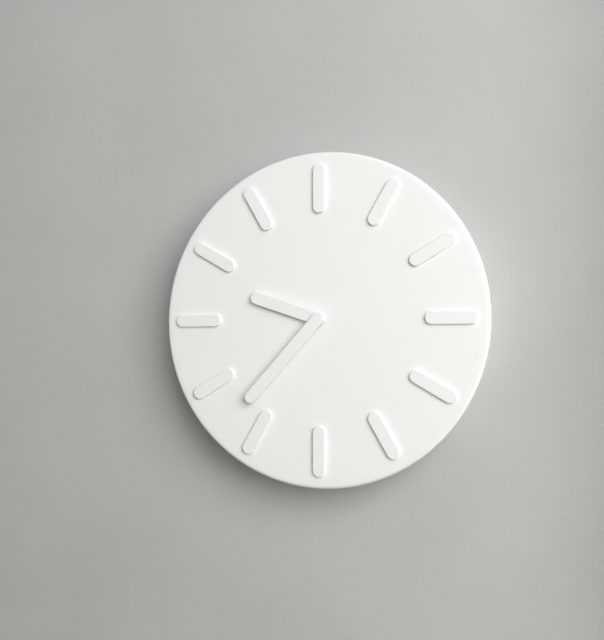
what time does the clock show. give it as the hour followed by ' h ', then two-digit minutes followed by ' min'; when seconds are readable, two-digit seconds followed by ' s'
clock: 9 h 37 min
